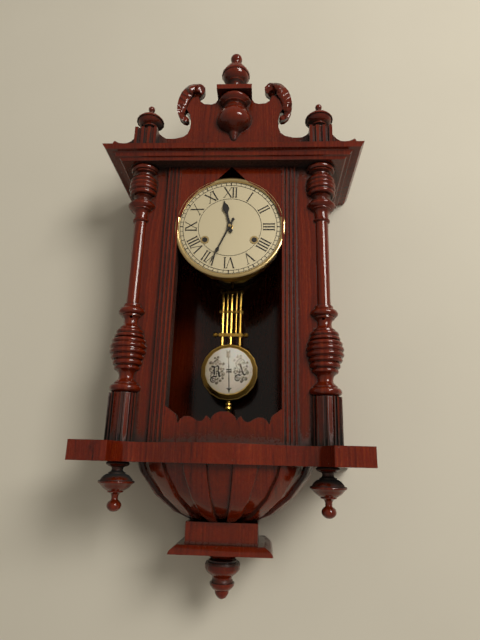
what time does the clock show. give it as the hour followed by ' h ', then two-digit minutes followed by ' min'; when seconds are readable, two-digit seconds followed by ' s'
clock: 11 h 34 min
